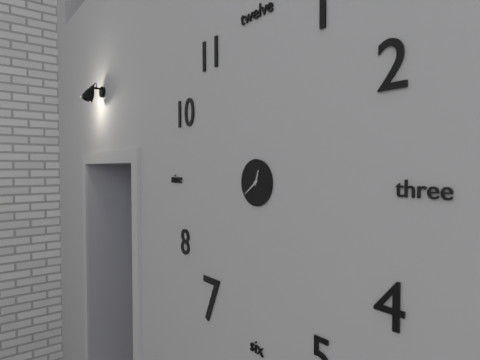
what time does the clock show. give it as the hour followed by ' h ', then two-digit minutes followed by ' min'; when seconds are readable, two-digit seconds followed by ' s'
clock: 12 h 39 min
